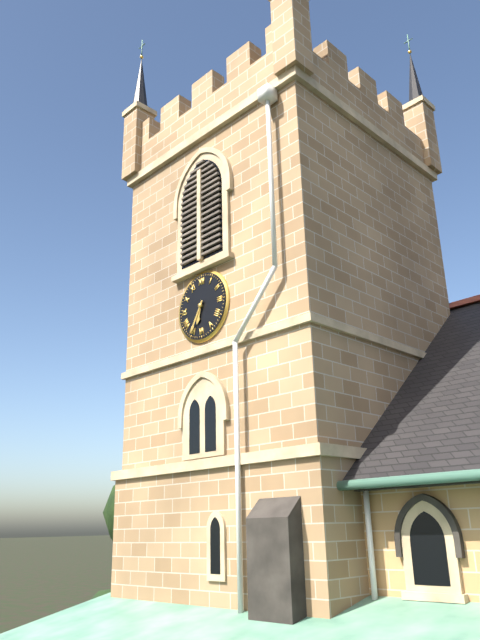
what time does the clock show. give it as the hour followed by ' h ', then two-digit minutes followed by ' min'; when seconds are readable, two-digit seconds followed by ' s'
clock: 6 h 35 min
